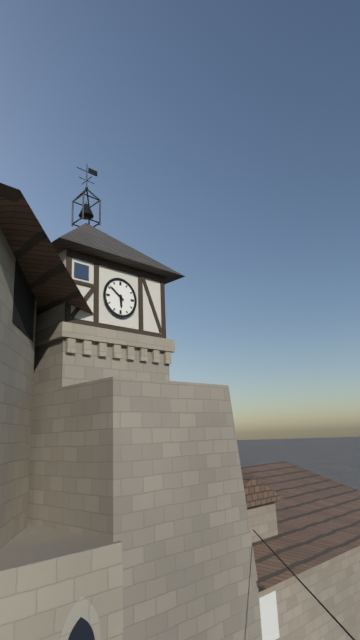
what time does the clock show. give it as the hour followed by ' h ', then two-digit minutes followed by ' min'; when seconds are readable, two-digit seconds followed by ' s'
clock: 5 h 51 min
